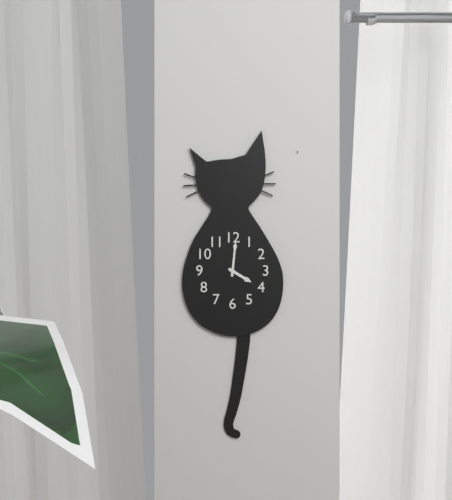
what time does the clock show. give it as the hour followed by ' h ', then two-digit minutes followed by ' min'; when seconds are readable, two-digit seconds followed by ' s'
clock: 4 h 01 min
